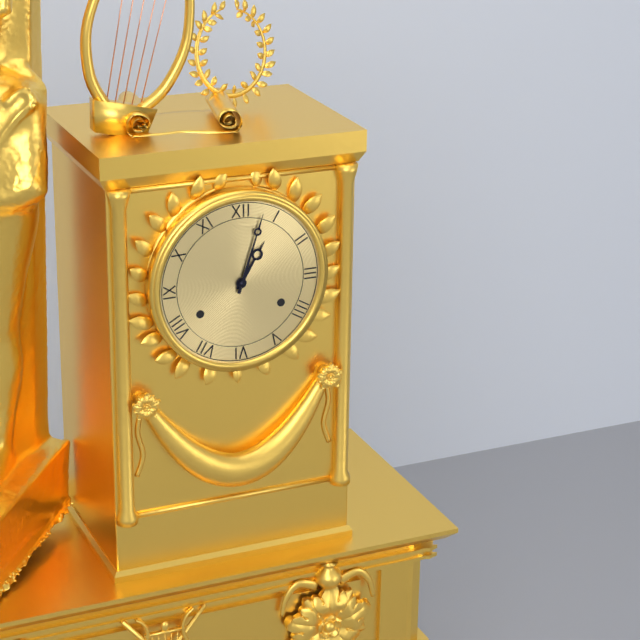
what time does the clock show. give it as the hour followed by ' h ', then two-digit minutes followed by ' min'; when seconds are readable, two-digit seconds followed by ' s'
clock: 1 h 03 min
